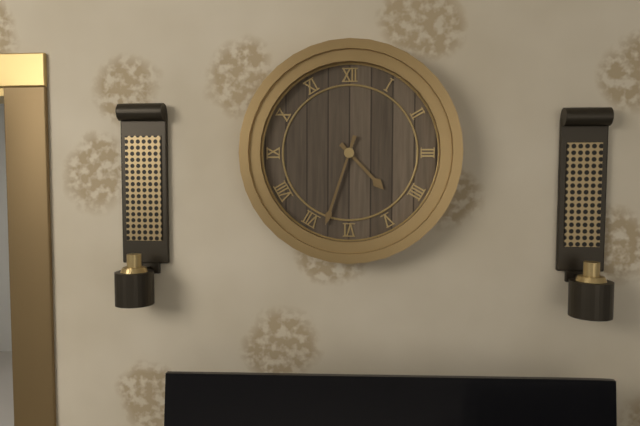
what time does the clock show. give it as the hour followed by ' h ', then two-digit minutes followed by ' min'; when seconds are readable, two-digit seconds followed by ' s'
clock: 4 h 33 min
